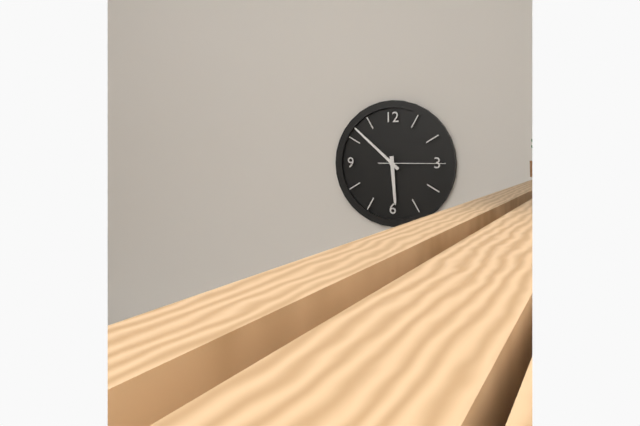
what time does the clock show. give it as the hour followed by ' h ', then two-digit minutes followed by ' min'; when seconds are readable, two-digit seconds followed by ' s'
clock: 5 h 52 min 15 s
